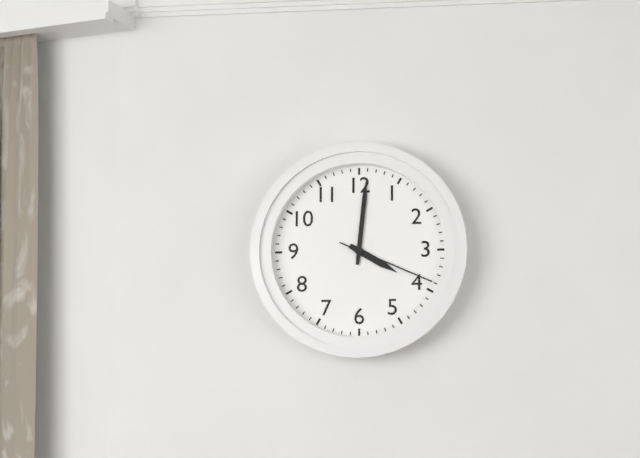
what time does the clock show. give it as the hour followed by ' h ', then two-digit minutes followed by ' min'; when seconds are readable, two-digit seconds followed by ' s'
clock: 4 h 01 min 19 s
